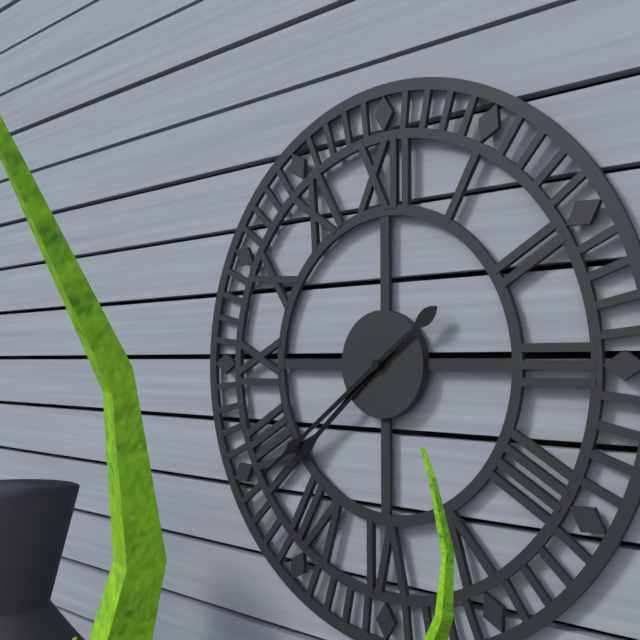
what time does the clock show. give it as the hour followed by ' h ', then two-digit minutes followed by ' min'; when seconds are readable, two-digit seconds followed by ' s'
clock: 7 h 39 min
